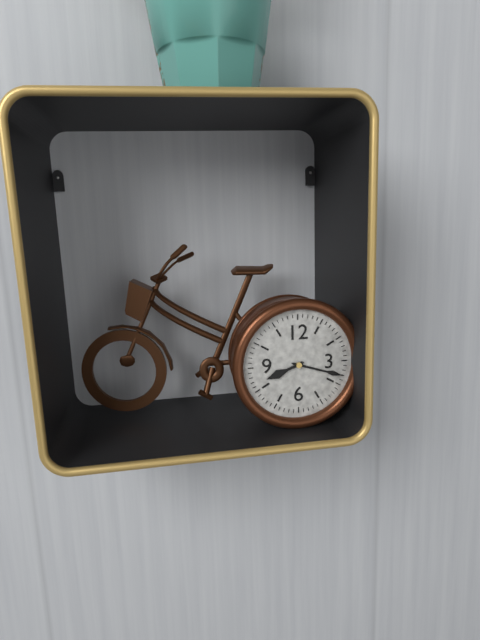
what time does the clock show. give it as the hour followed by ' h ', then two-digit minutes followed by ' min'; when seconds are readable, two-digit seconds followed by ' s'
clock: 8 h 18 min
